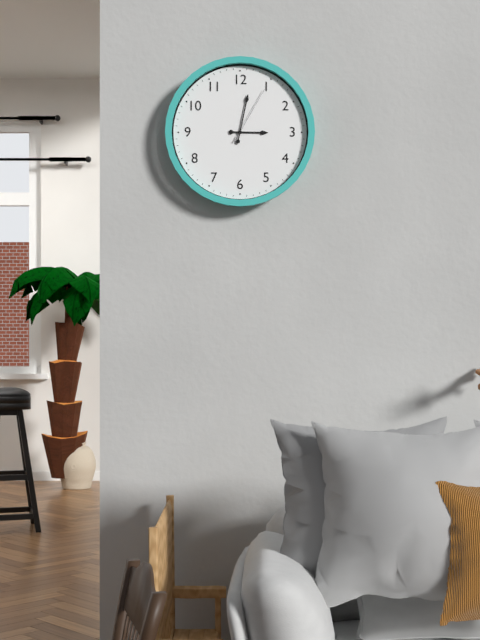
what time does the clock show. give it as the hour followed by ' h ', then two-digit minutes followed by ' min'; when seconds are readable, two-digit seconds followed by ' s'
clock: 3 h 02 min 05 s
